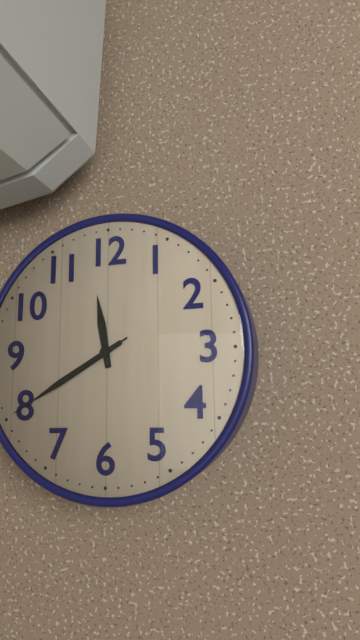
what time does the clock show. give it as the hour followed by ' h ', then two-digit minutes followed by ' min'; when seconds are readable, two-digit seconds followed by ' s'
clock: 11 h 40 min 40 s
